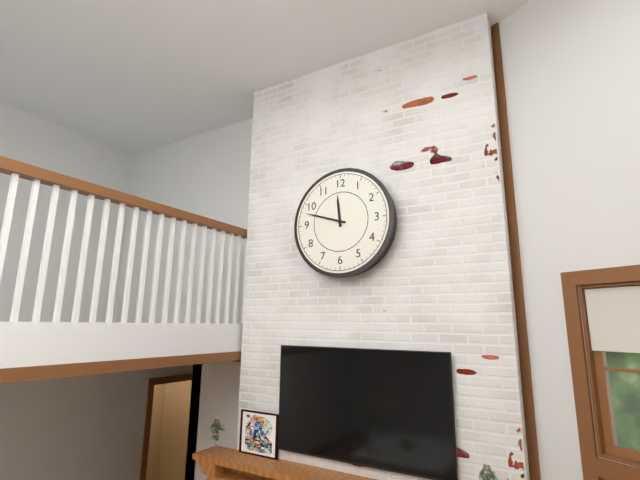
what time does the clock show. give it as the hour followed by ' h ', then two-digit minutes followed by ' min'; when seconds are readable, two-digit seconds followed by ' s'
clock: 11 h 48 min
